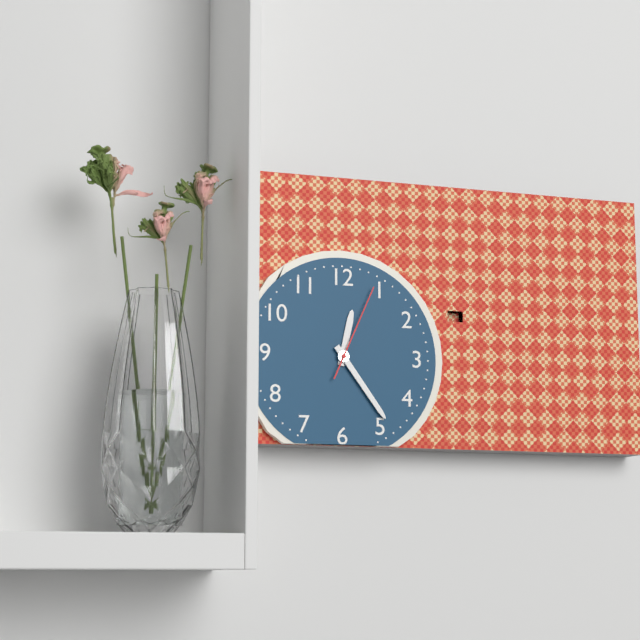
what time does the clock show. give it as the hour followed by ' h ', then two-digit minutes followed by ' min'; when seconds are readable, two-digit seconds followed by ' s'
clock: 12 h 24 min 04 s
